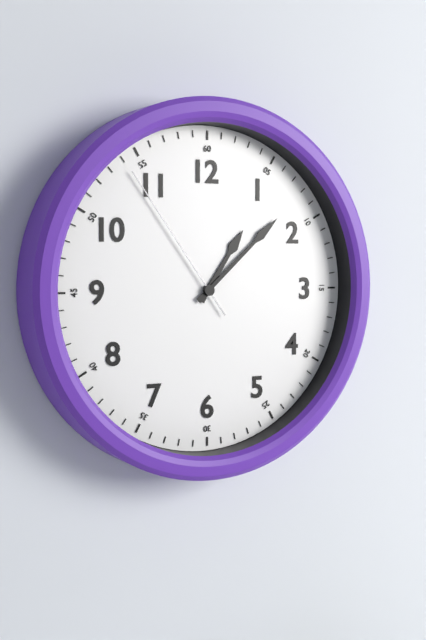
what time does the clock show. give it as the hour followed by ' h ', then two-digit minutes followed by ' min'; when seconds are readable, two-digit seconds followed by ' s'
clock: 1 h 08 min 54 s
